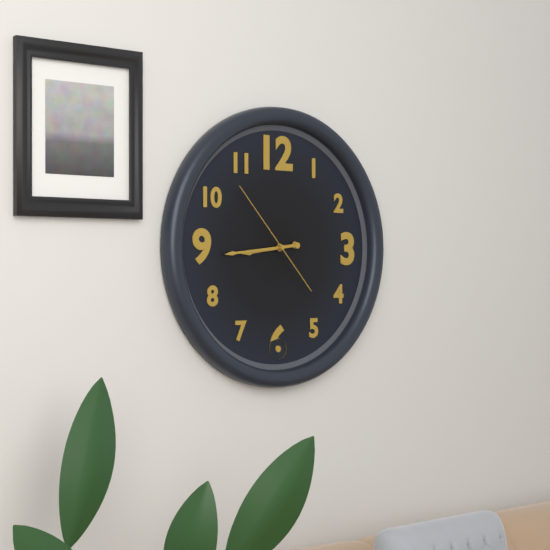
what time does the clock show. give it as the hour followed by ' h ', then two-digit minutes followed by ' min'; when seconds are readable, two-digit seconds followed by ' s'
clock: 8 h 44 min 53 s
